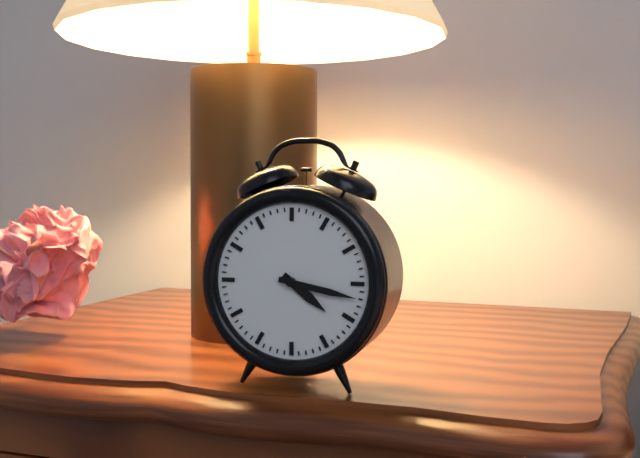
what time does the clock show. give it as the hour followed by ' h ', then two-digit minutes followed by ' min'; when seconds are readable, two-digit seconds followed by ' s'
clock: 4 h 17 min
